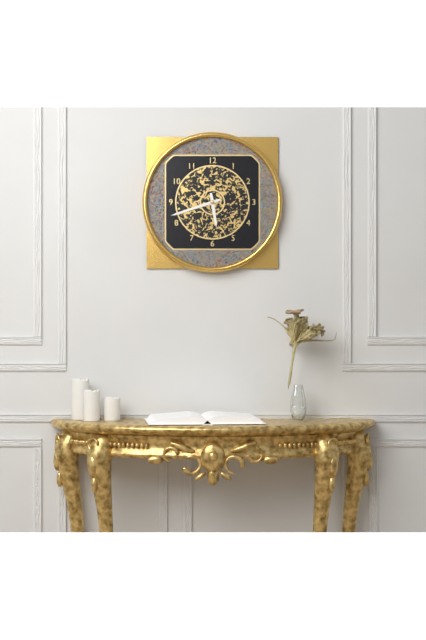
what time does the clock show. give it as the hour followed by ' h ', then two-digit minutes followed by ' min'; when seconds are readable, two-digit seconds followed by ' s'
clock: 5 h 42 min
